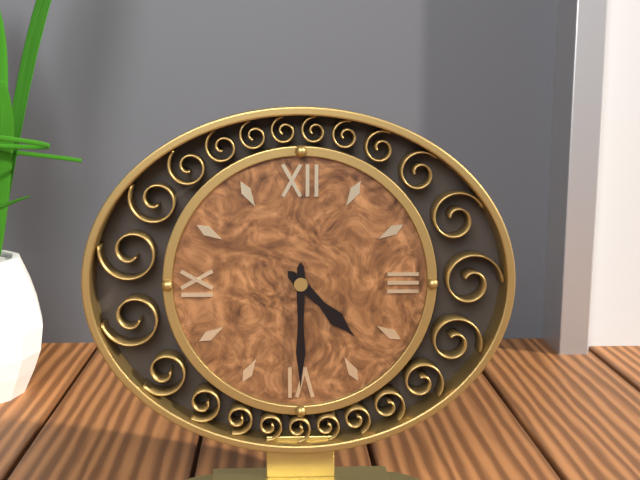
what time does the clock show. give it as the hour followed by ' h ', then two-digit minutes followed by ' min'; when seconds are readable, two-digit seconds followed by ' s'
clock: 4 h 30 min
